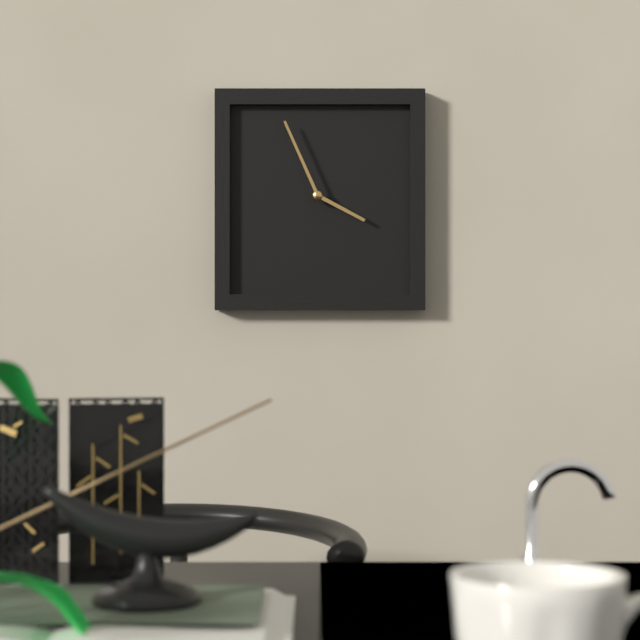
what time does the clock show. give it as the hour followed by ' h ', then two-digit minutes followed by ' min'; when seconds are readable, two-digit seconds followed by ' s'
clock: 3 h 56 min
